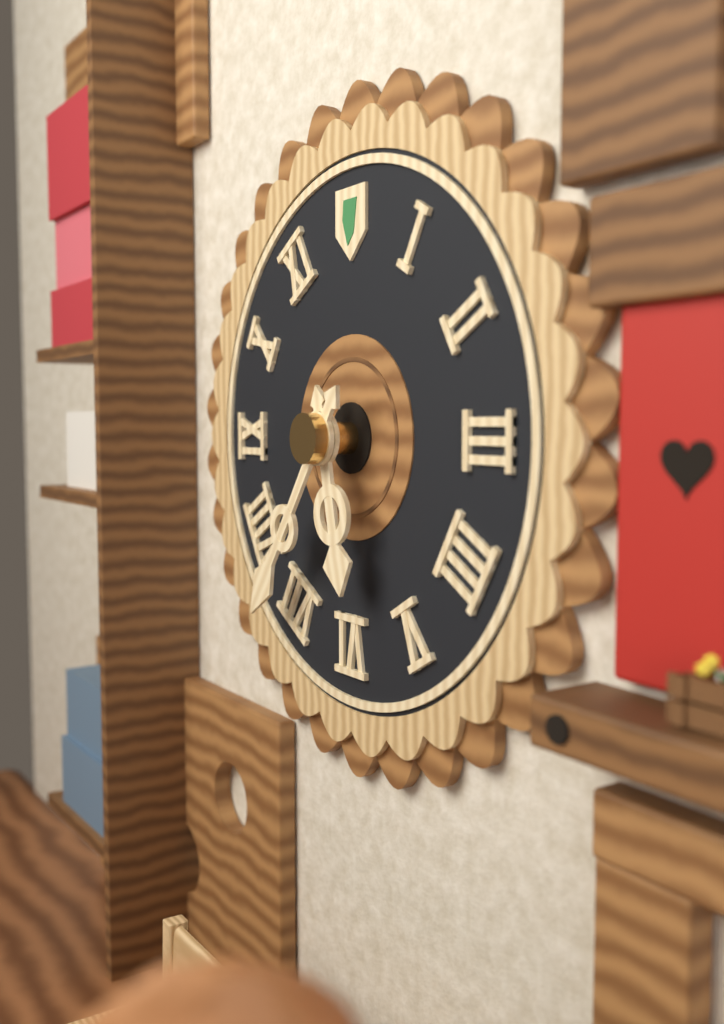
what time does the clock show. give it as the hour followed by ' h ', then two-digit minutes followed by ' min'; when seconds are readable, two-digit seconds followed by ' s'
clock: 5 h 36 min
